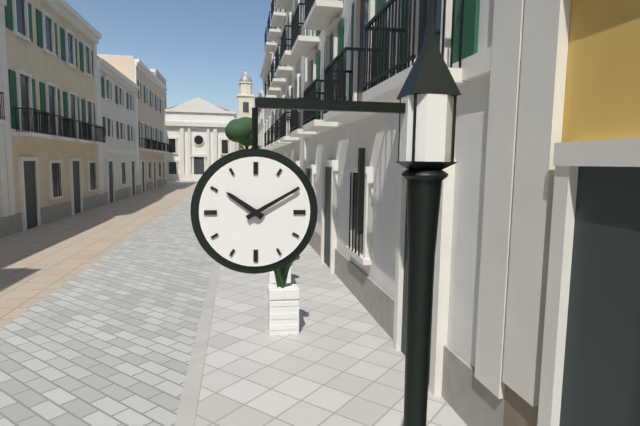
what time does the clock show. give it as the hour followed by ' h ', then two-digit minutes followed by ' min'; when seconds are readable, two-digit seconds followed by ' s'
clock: 10 h 10 min
